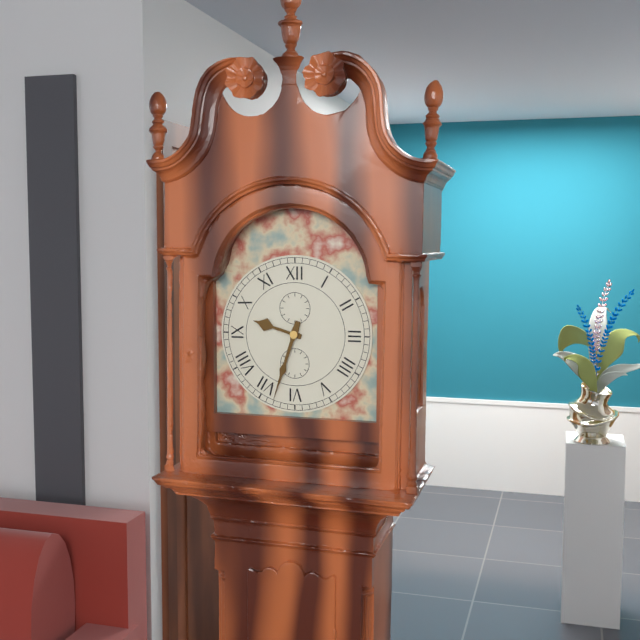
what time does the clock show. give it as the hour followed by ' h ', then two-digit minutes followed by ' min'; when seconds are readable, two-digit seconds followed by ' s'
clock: 9 h 33 min
